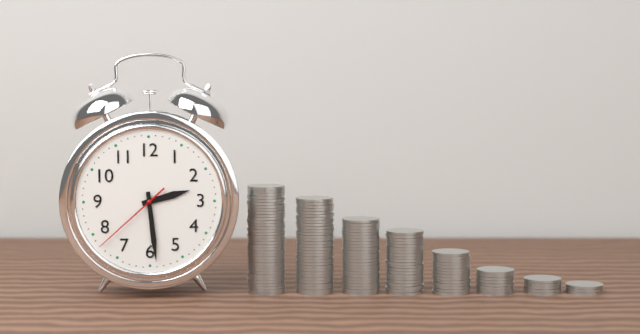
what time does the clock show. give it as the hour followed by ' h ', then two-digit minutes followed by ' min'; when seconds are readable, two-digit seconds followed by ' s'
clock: 2 h 29 min 38 s
